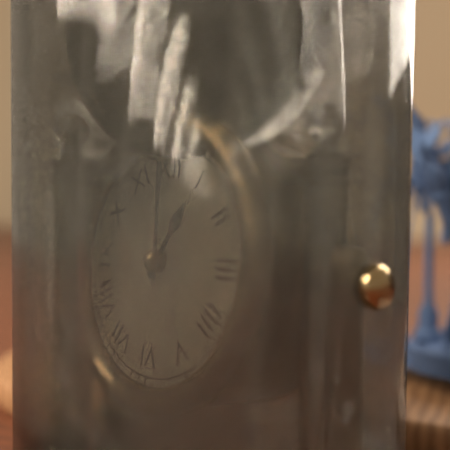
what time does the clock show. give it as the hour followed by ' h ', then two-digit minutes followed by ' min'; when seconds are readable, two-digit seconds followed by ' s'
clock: 12 h 59 min
